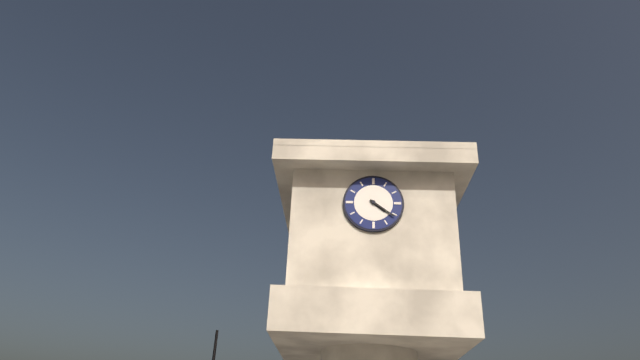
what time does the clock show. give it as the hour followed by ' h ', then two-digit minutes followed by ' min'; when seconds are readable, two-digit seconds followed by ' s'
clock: 4 h 21 min
